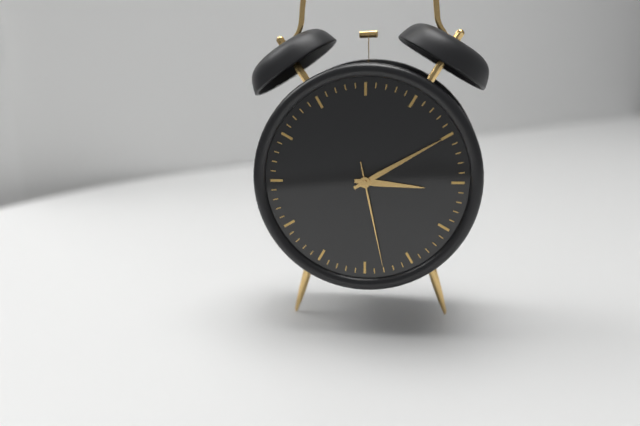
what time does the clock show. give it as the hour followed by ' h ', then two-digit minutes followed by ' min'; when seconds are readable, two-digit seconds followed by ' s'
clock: 3 h 10 min 28 s
